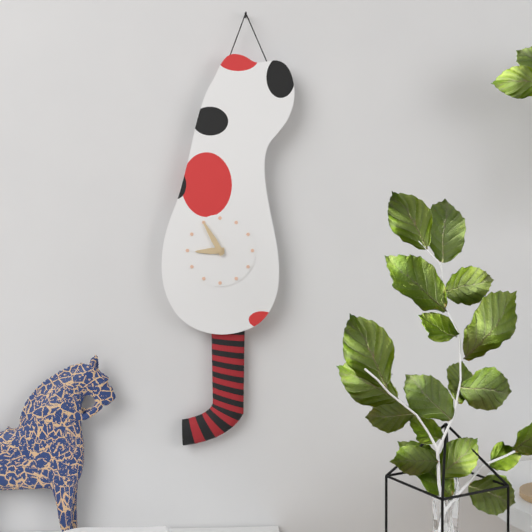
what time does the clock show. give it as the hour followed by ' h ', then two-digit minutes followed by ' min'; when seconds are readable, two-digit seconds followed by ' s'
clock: 8 h 55 min
